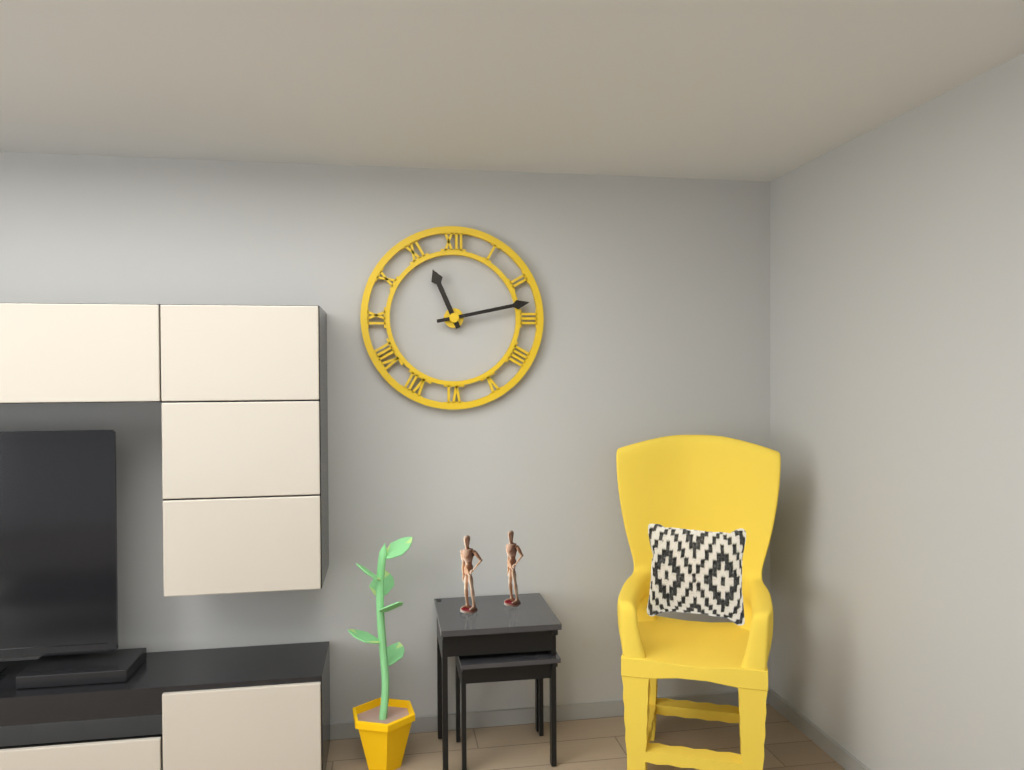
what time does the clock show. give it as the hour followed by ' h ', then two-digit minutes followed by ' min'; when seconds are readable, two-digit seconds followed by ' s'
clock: 11 h 13 min
